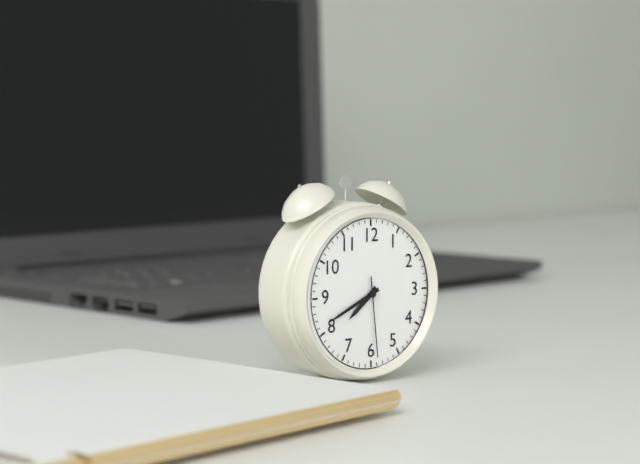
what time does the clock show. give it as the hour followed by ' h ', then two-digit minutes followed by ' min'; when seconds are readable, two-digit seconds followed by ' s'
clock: 7 h 41 min 29 s
